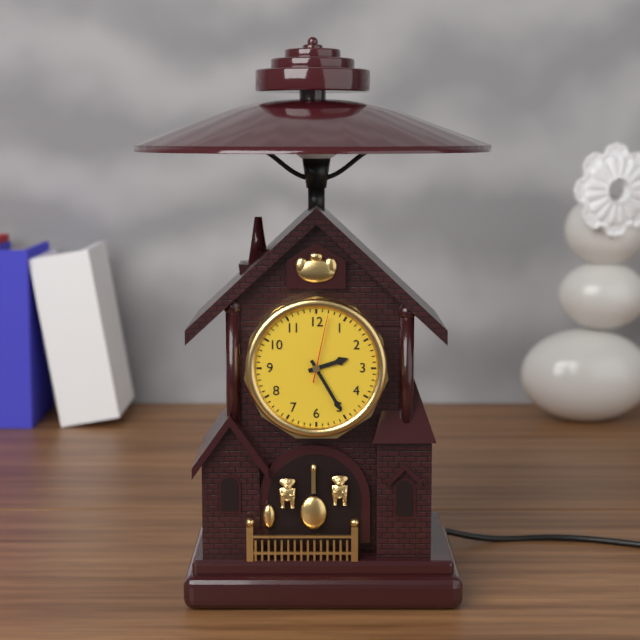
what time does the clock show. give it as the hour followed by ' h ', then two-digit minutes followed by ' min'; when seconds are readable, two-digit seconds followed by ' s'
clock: 2 h 25 min 02 s
